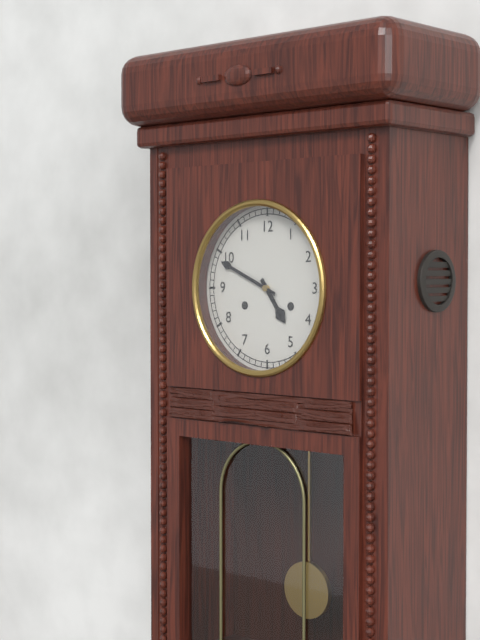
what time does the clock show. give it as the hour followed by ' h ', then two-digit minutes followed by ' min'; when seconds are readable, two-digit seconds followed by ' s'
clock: 4 h 49 min
